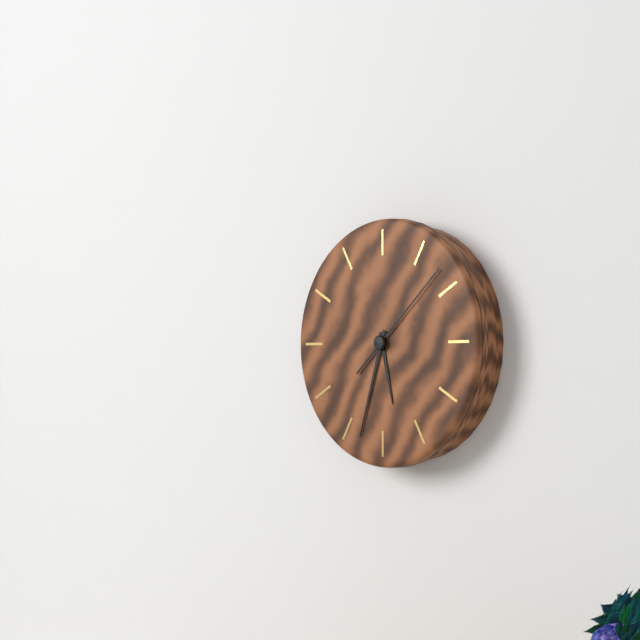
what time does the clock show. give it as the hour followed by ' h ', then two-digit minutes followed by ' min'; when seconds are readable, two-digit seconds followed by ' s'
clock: 5 h 33 min 08 s
